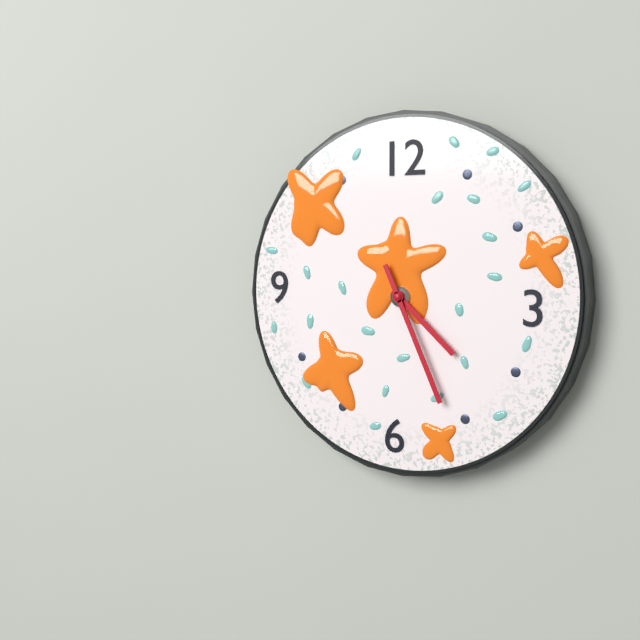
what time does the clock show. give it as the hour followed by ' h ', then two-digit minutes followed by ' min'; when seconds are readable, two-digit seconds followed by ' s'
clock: 4 h 26 min
